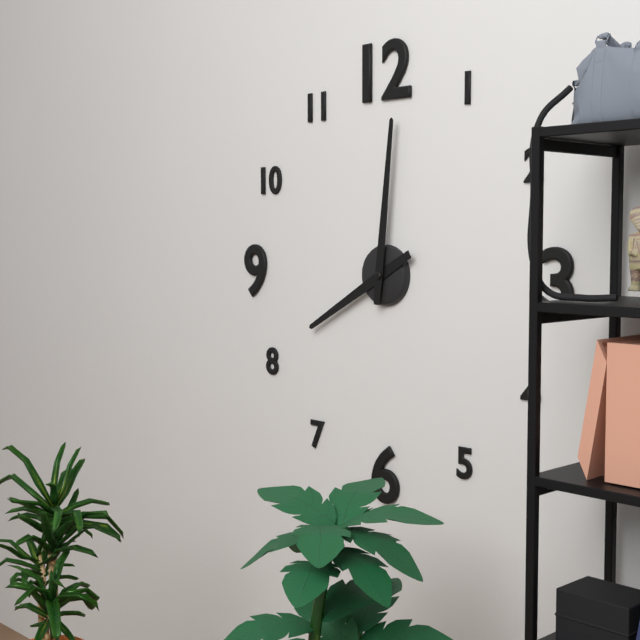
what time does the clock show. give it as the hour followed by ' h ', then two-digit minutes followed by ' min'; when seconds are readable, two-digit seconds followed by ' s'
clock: 8 h 01 min
